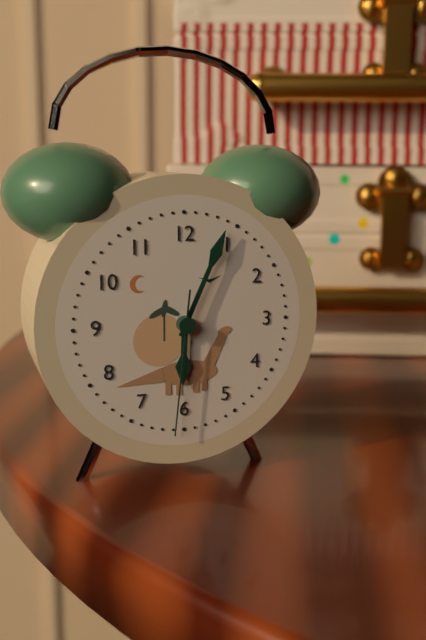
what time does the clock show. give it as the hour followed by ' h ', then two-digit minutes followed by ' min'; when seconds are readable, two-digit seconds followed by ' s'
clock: 6 h 04 min 31 s
